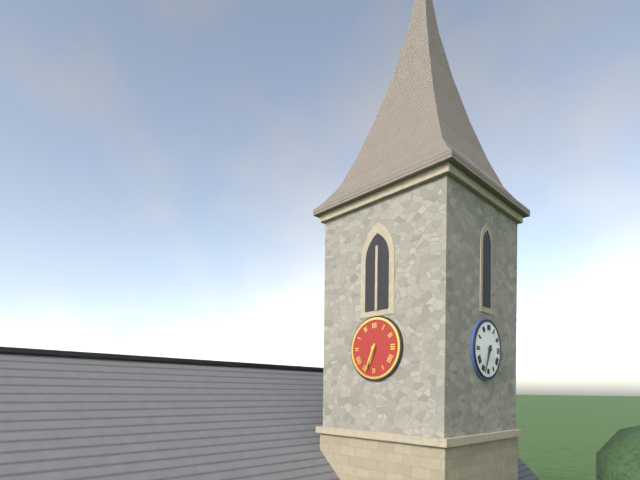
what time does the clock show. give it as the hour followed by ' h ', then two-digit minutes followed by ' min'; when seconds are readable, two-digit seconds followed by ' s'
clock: 6 h 34 min
